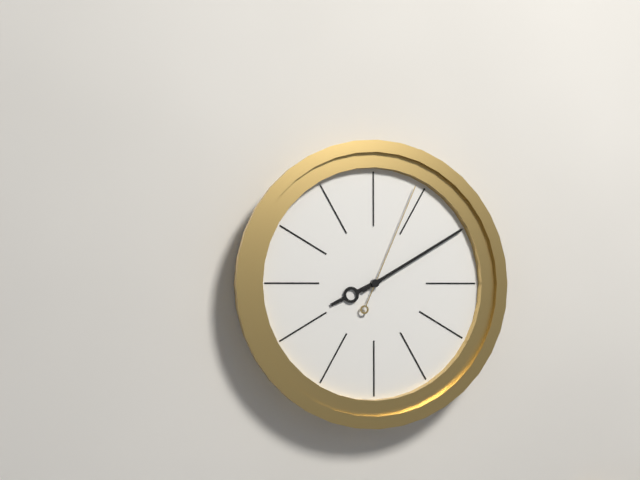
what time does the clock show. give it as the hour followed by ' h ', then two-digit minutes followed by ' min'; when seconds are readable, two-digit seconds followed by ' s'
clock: 8 h 10 min 04 s
